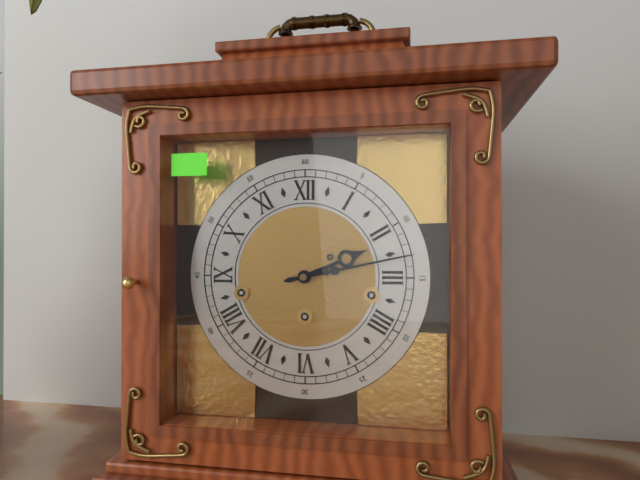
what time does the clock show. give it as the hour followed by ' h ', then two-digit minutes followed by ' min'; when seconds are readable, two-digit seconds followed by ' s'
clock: 2 h 13 min
